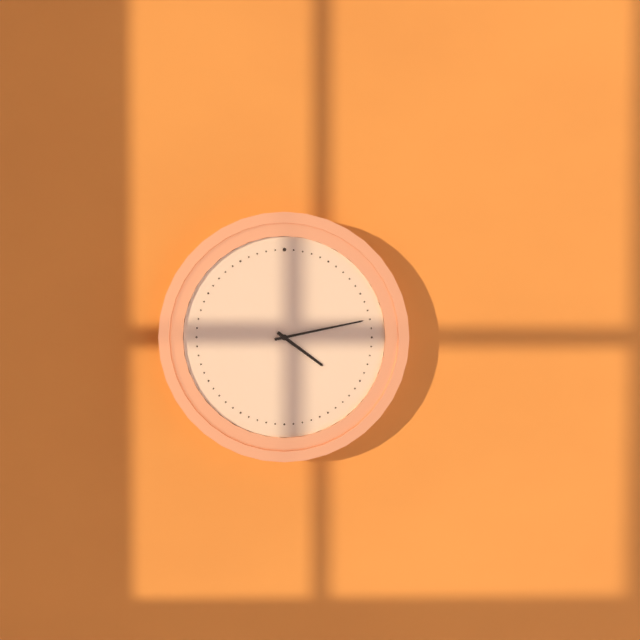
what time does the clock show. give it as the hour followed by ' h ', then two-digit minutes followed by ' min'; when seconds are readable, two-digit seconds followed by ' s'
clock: 4 h 13 min
